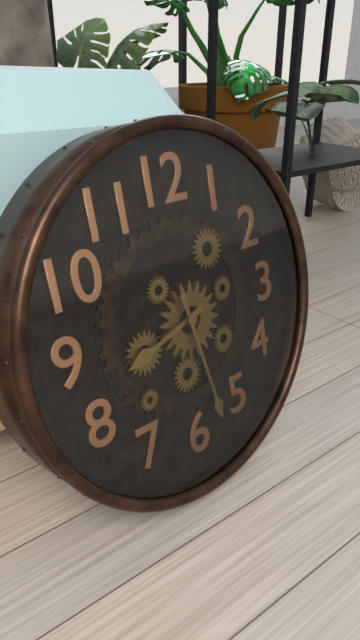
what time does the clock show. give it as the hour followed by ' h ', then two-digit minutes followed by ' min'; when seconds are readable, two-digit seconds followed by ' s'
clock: 8 h 28 min
